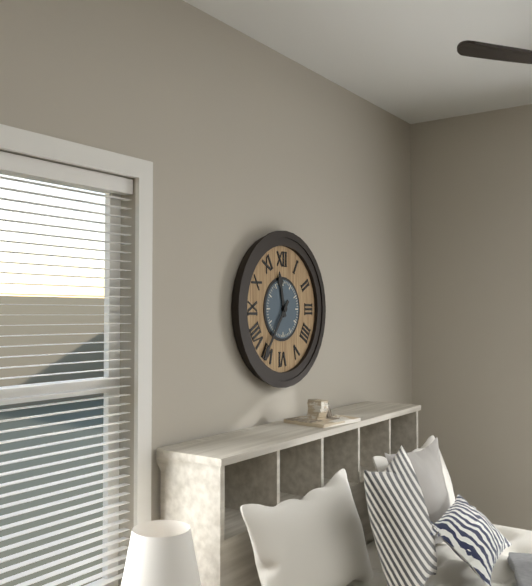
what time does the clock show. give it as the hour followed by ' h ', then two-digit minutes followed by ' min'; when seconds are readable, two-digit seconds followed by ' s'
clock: 11 h 36 min
